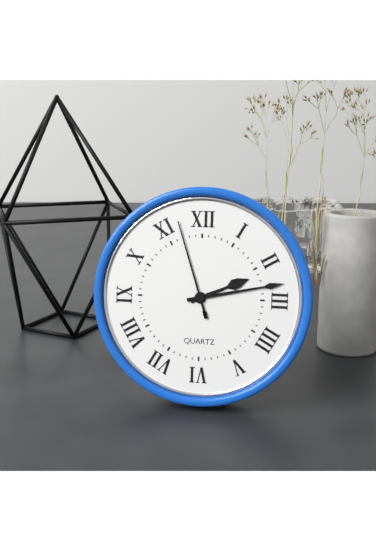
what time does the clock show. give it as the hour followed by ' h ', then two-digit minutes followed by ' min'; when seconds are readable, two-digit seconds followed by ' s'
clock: 2 h 13 min 57 s
